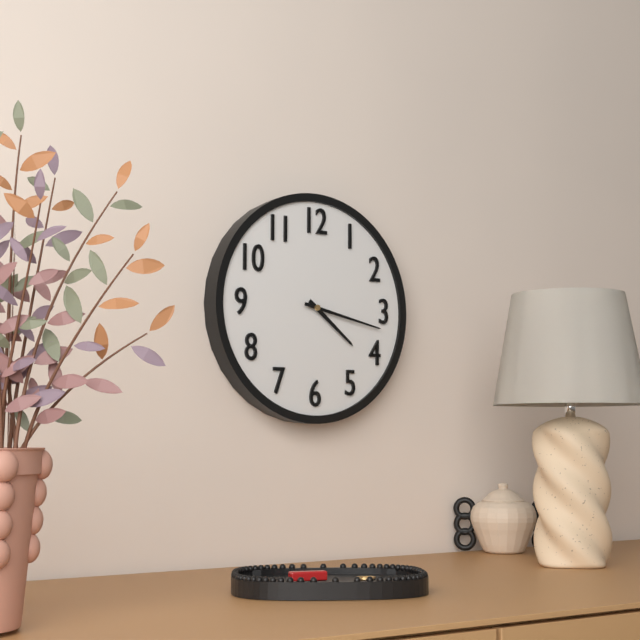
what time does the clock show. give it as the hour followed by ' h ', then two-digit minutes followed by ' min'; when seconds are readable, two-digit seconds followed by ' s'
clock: 4 h 17 min
